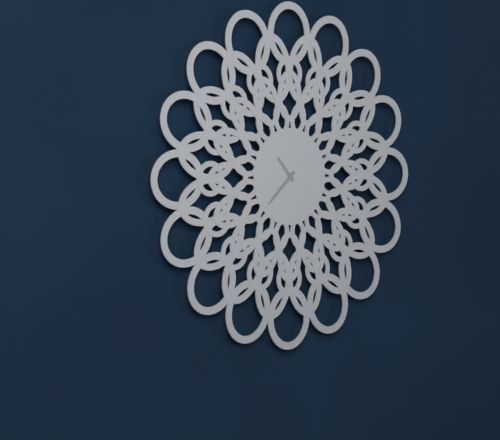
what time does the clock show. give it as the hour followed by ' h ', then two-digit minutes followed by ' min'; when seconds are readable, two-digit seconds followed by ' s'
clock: 10 h 38 min
